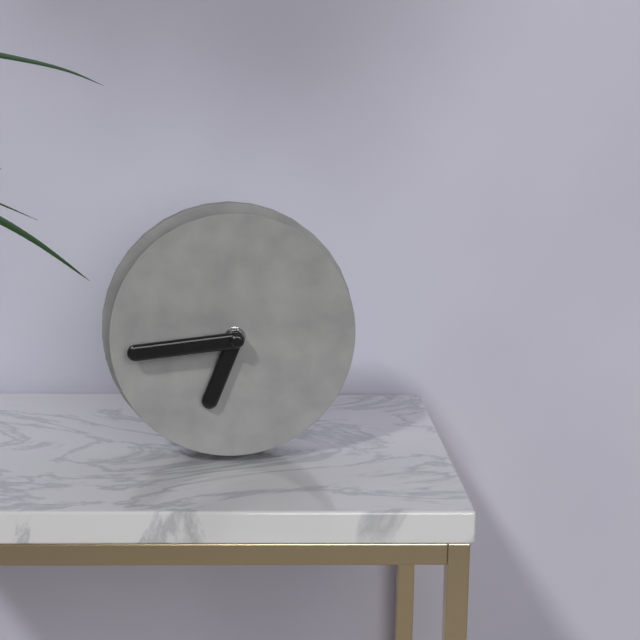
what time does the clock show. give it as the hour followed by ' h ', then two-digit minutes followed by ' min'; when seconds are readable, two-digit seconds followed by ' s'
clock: 6 h 44 min
